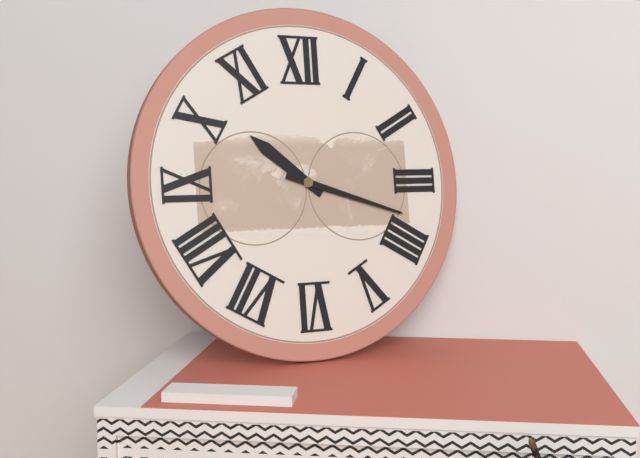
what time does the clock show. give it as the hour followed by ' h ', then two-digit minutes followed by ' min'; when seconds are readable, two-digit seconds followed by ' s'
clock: 10 h 18 min
